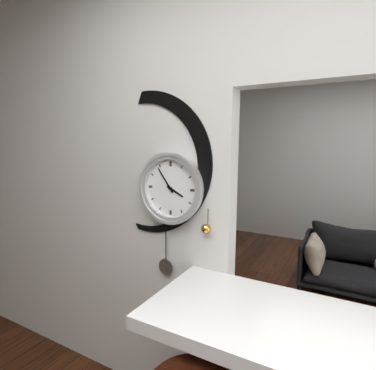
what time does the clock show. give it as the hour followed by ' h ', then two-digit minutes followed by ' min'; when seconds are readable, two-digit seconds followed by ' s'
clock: 3 h 54 min
